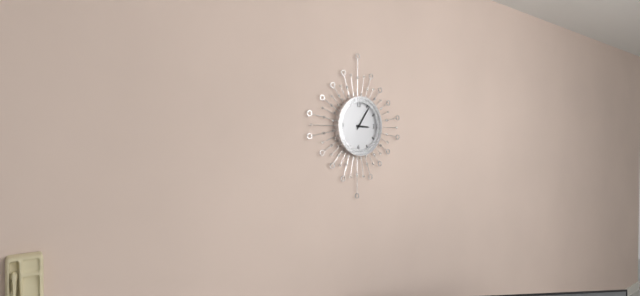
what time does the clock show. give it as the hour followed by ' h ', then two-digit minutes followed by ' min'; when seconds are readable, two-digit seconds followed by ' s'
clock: 3 h 06 min
